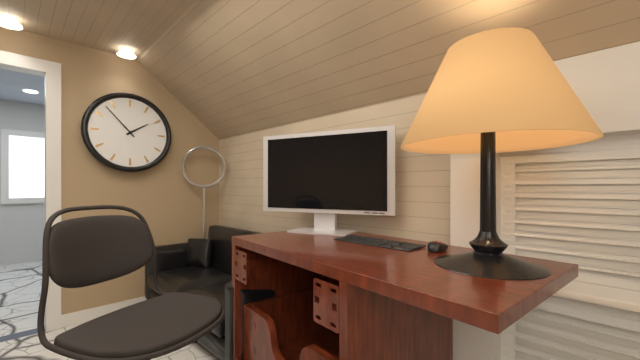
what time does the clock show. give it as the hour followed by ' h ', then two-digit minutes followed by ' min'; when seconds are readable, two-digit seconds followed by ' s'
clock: 1 h 53 min
